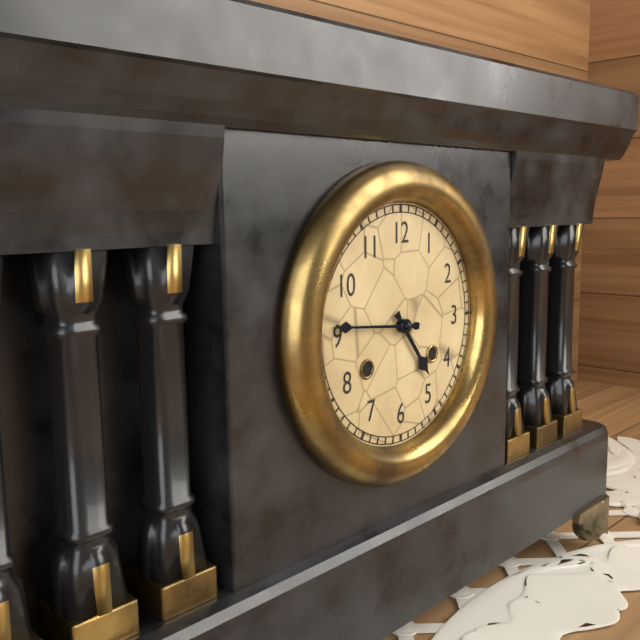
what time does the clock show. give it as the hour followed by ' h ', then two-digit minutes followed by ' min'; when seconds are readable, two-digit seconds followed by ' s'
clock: 4 h 46 min
